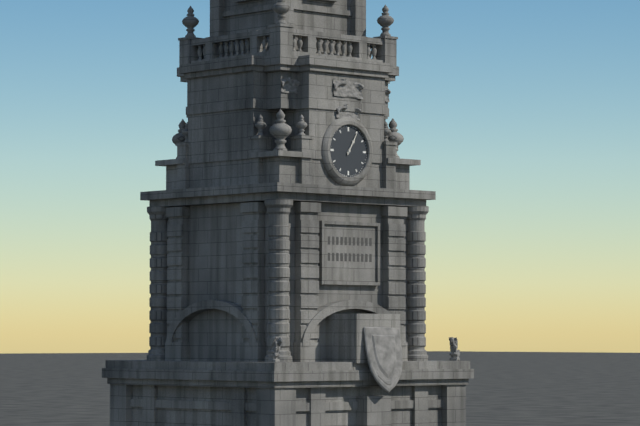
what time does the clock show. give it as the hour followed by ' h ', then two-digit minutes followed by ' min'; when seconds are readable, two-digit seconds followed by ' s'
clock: 1 h 05 min
